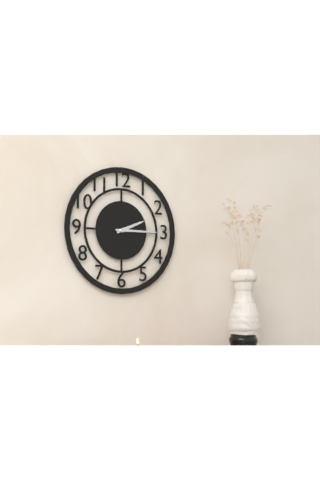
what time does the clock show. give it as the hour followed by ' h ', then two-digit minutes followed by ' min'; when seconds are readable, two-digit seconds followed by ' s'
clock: 2 h 15 min
